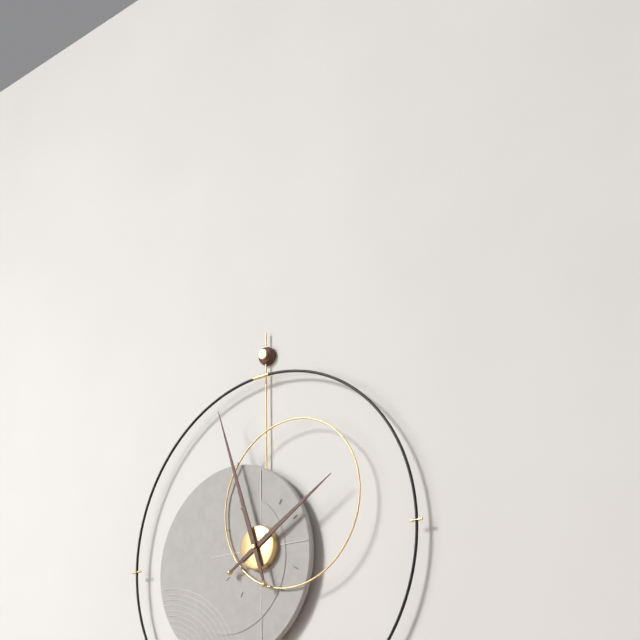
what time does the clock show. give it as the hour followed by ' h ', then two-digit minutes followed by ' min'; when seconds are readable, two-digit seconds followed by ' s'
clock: 1 h 57 min
